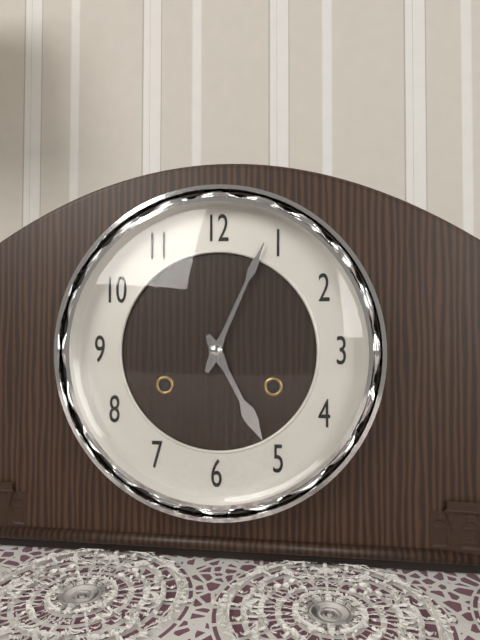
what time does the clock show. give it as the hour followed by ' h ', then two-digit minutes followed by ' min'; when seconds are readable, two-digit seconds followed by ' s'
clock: 5 h 04 min
